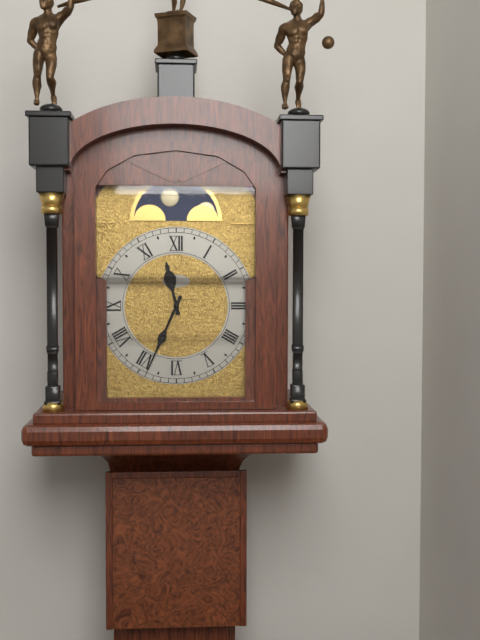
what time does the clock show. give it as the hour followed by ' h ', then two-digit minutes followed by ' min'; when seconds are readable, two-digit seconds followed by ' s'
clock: 11 h 34 min
